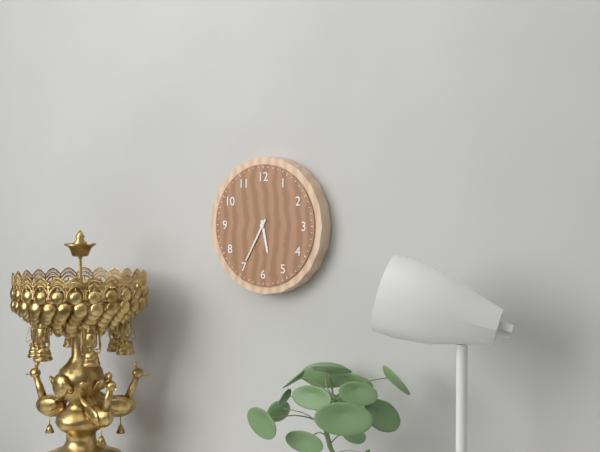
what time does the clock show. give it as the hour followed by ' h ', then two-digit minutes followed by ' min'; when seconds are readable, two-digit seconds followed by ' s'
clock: 5 h 35 min
